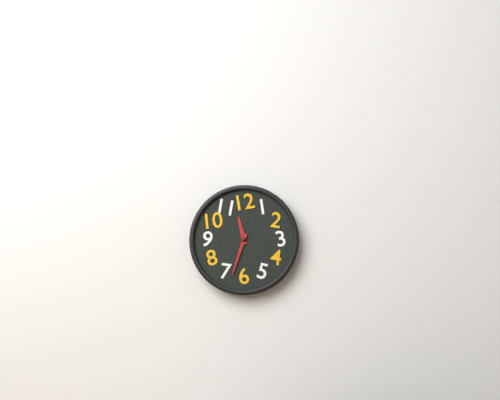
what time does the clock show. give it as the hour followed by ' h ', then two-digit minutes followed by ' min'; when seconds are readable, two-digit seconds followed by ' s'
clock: 11 h 33 min
